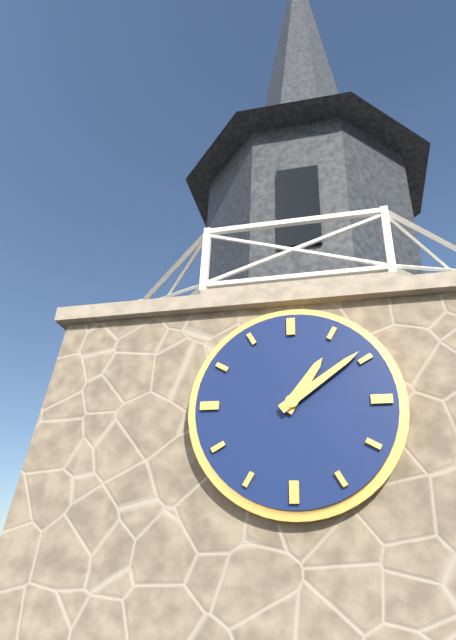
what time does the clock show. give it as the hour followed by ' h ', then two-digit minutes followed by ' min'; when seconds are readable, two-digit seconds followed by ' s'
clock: 1 h 09 min
